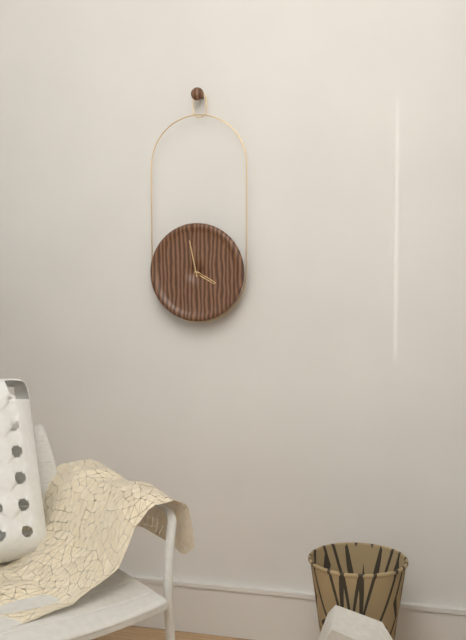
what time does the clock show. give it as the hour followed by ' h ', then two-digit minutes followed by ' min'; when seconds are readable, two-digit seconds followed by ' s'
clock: 3 h 58 min
